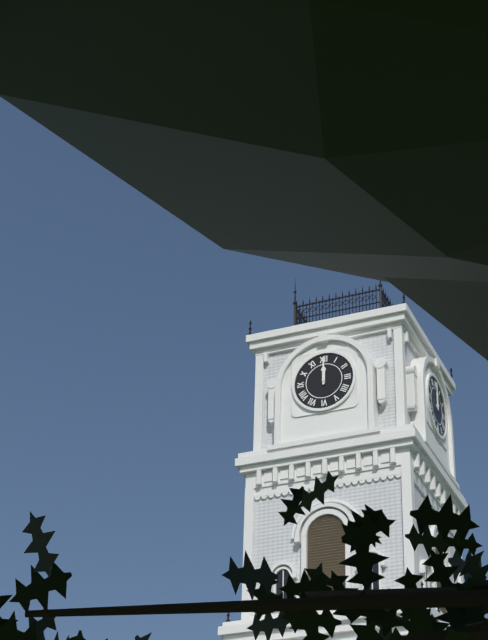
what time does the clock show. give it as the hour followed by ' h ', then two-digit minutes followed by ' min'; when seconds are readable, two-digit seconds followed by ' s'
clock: 12 h 00 min
